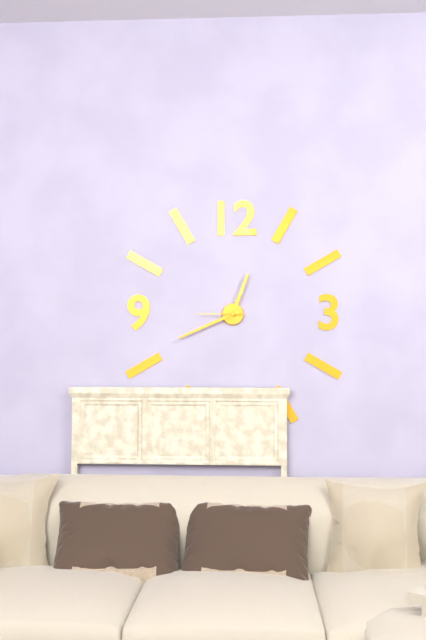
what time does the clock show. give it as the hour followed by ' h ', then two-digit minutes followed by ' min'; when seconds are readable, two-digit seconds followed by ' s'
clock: 12 h 41 min
